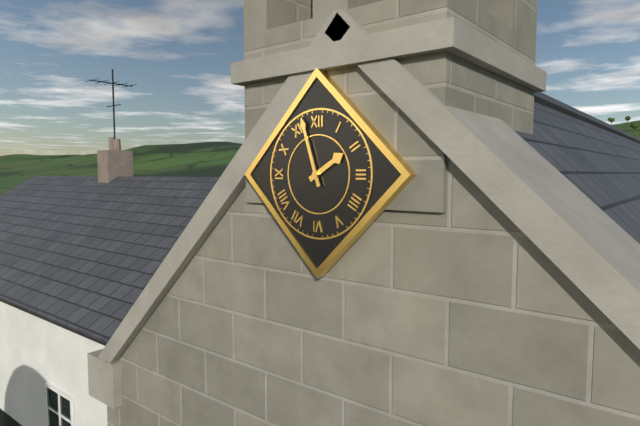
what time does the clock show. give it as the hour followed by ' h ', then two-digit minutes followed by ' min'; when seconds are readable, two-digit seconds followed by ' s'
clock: 1 h 57 min
